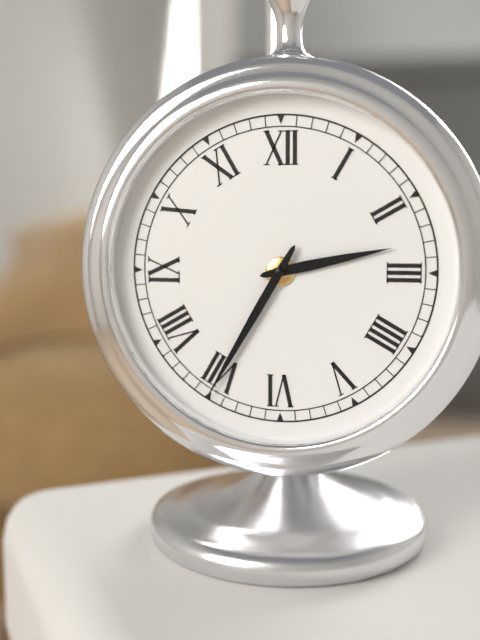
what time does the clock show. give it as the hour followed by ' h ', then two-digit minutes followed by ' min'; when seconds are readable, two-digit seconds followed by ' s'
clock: 2 h 35 min
